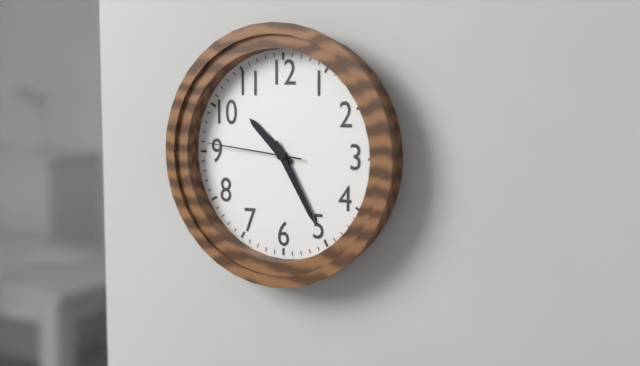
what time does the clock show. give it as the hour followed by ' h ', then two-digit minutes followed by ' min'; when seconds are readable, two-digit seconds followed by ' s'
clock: 10 h 25 min 46 s
